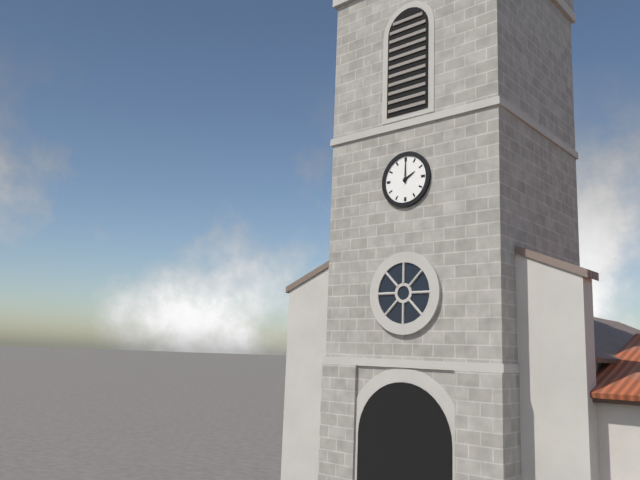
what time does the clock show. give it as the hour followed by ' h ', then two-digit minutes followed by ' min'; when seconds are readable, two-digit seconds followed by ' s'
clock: 2 h 00 min
